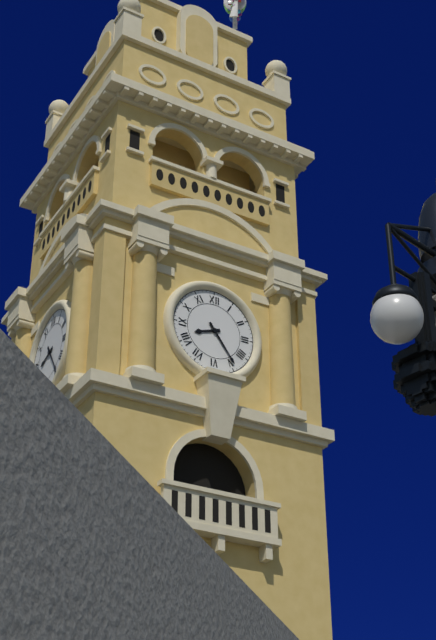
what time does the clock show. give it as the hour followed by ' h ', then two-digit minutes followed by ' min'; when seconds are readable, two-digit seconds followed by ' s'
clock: 8 h 24 min
